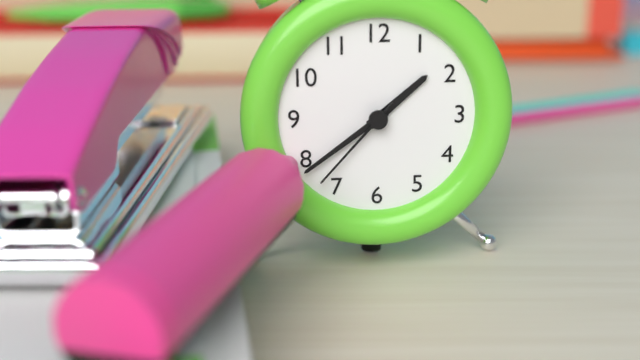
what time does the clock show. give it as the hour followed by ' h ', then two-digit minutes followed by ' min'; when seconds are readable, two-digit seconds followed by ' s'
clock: 1 h 39 min 37 s
